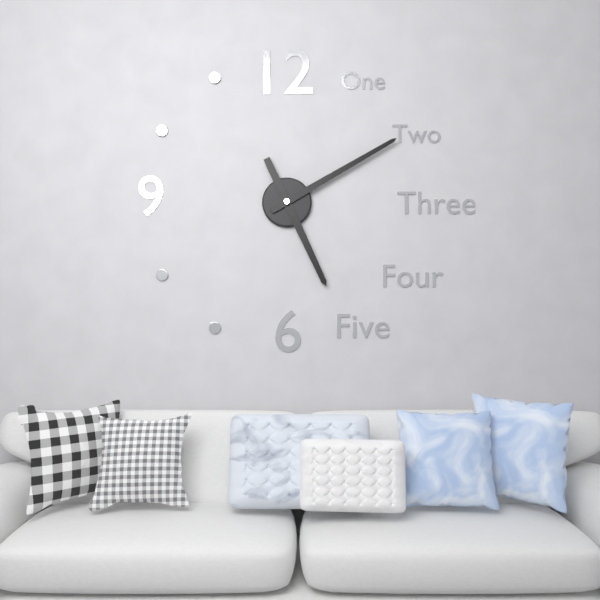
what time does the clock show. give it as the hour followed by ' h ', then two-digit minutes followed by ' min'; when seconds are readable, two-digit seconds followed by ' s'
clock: 5 h 10 min
